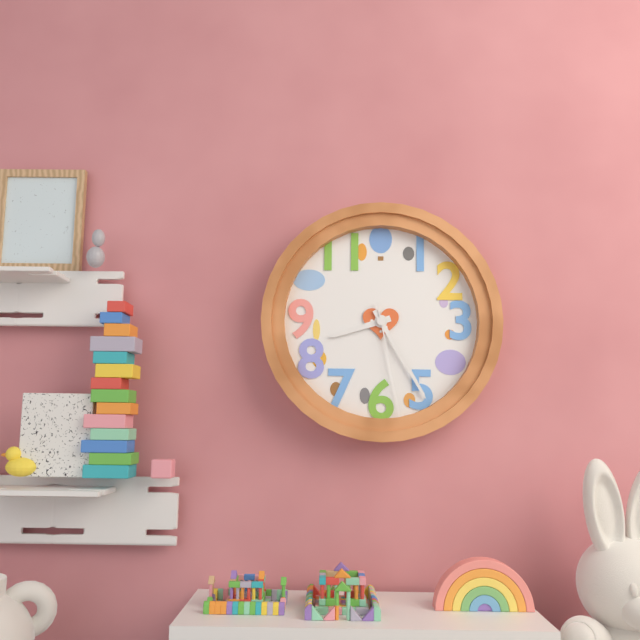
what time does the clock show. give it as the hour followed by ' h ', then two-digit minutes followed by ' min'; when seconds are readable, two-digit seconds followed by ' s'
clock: 8 h 25 min 28 s
